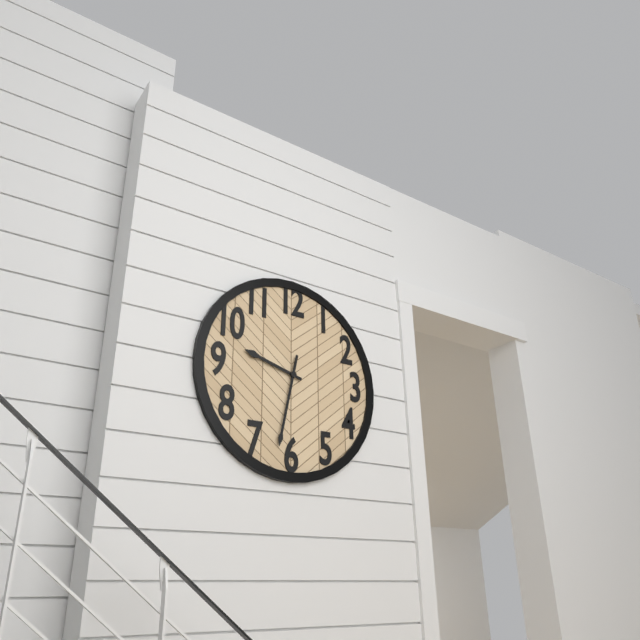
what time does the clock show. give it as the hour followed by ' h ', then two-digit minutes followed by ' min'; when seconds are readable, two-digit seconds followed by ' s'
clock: 9 h 32 min
